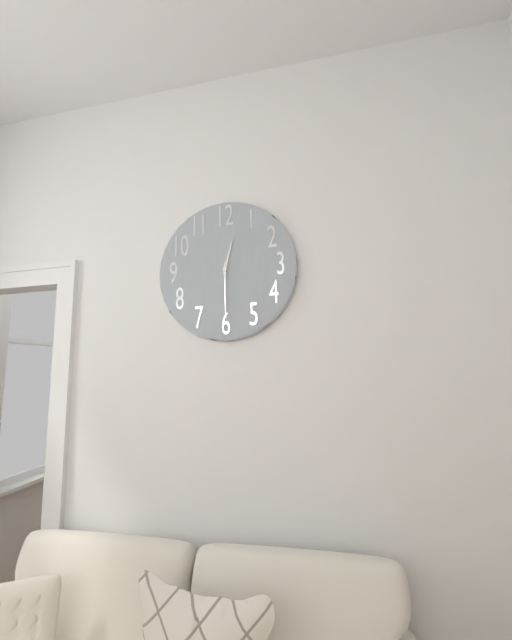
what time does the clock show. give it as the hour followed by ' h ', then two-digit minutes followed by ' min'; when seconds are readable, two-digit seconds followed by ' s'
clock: 12 h 30 min
